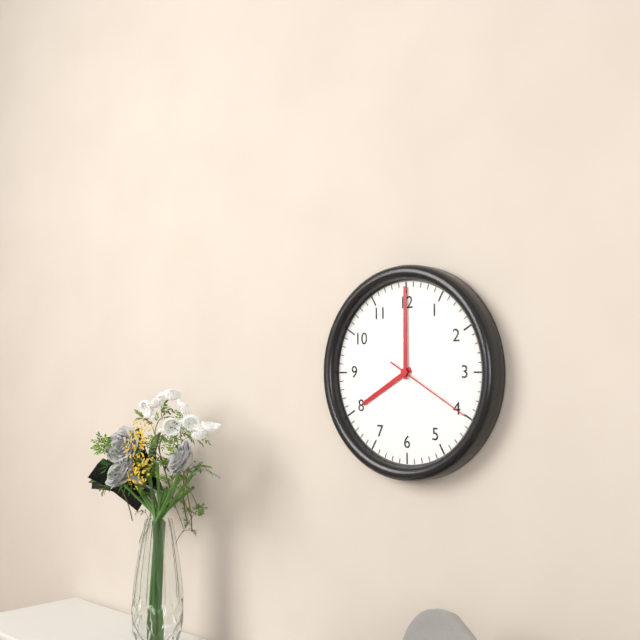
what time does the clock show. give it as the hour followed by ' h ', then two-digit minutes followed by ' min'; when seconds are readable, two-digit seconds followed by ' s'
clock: 8 h 00 min 20 s
